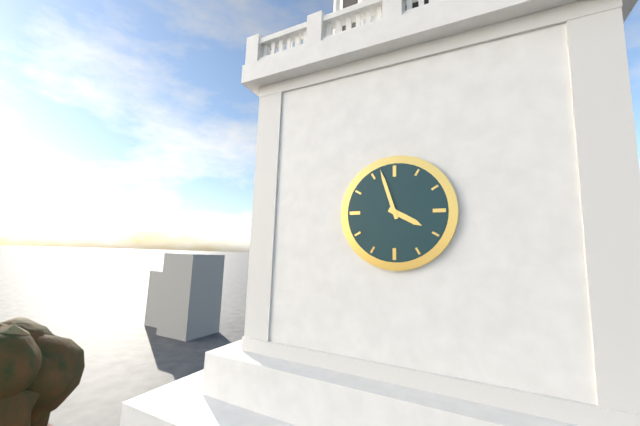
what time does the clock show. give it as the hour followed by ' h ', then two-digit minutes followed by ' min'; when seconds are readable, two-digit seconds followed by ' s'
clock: 3 h 57 min
